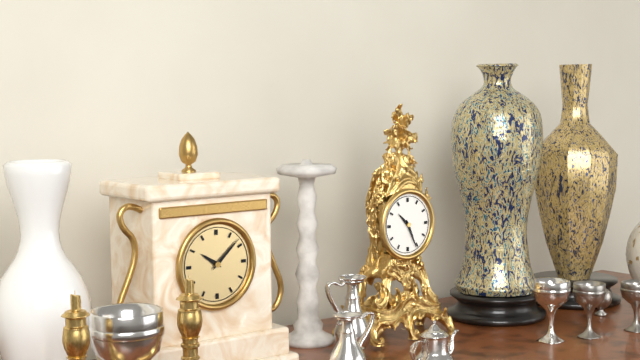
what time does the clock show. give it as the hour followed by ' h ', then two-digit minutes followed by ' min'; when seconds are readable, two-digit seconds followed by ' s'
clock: 10 h 26 min
